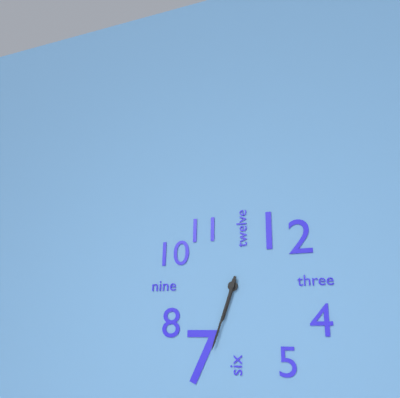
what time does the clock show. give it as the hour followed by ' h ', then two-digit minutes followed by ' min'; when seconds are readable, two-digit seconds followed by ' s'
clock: 6 h 33 min
